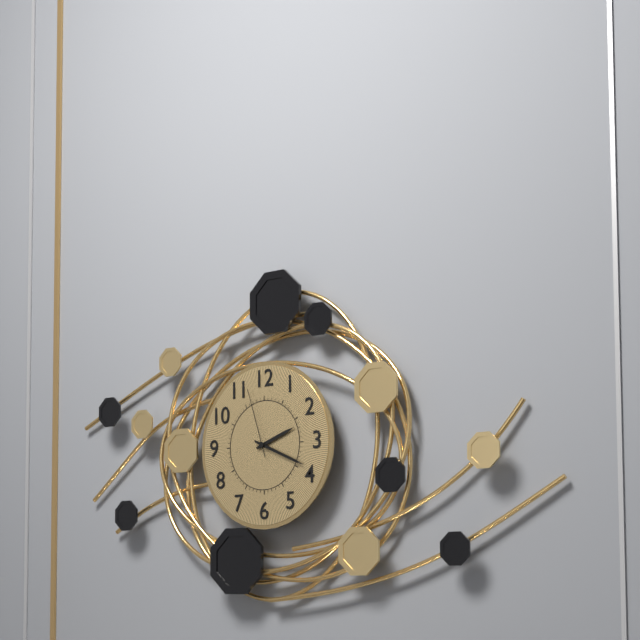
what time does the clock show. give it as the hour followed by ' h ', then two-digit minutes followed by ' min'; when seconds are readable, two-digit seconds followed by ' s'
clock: 2 h 19 min 57 s
